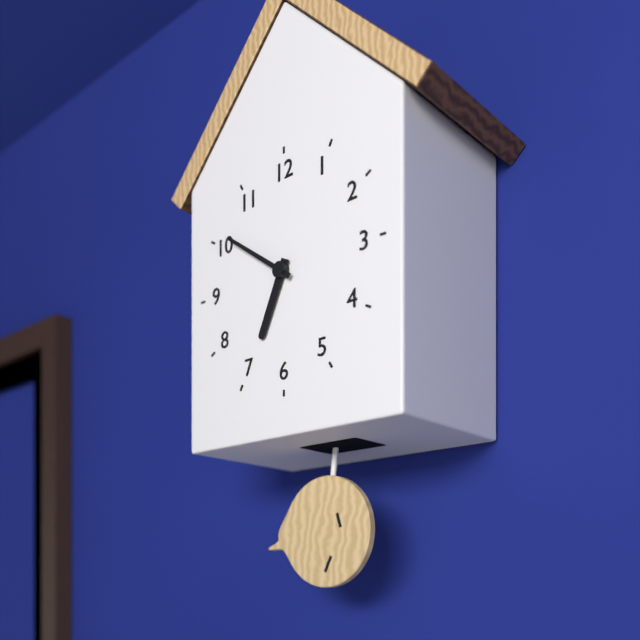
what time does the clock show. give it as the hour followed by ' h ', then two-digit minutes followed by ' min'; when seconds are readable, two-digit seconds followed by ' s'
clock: 6 h 51 min
